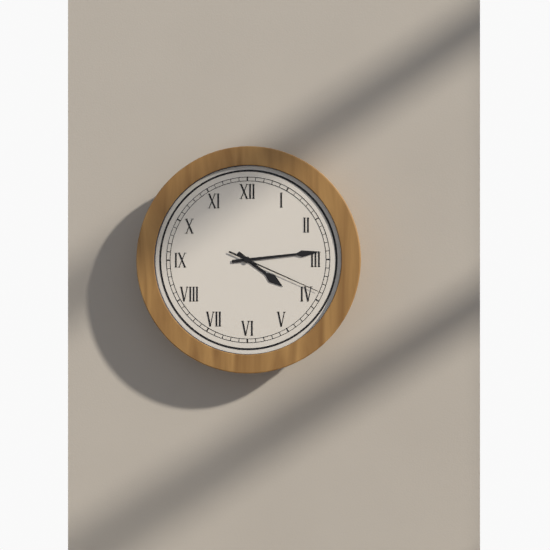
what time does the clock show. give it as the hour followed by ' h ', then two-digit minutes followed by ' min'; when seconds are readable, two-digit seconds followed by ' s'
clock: 4 h 14 min 19 s
